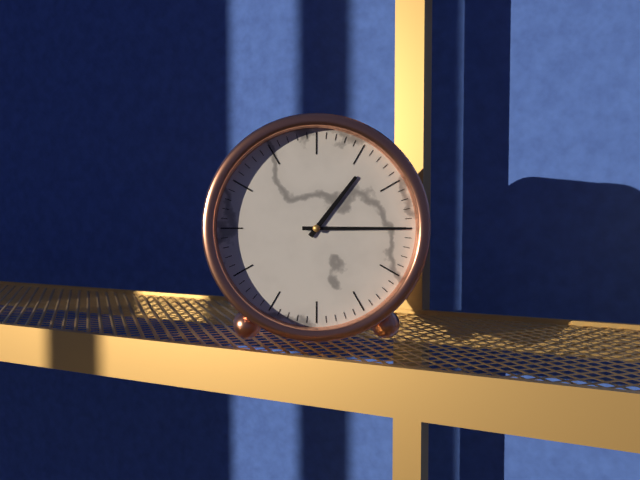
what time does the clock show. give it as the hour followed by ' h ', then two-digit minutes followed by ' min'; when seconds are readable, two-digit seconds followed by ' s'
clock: 1 h 15 min
